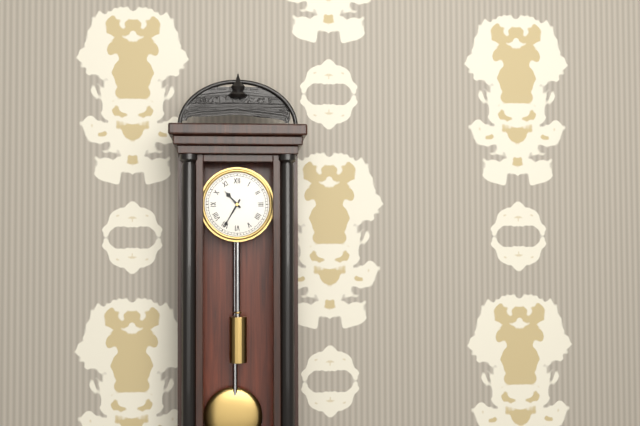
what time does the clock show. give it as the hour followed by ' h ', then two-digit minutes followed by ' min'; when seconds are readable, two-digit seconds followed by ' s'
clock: 10 h 35 min
